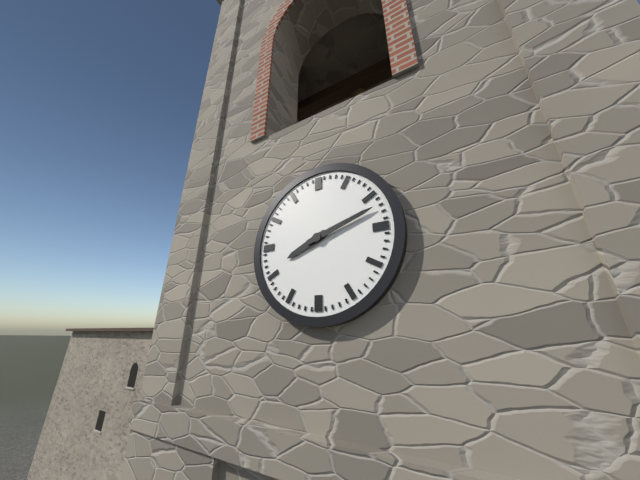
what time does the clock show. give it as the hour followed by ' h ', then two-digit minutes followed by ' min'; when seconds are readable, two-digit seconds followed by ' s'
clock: 8 h 12 min
